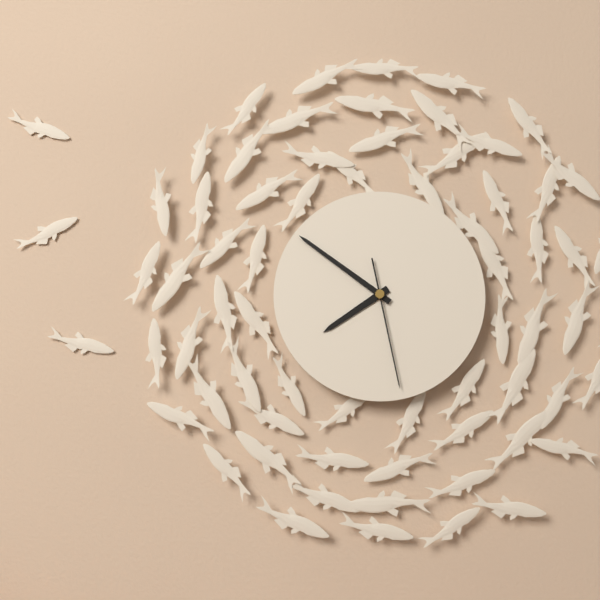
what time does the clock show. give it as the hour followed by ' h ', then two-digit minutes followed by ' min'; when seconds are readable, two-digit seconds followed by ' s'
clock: 7 h 51 min 28 s
